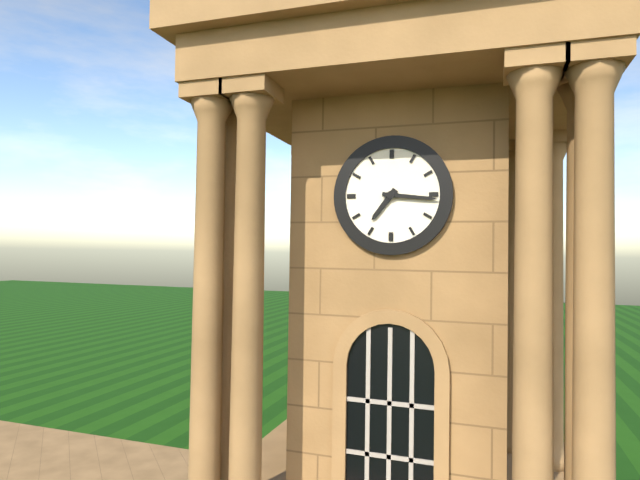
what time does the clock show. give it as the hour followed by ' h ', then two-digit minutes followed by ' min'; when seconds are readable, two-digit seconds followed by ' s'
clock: 7 h 16 min
